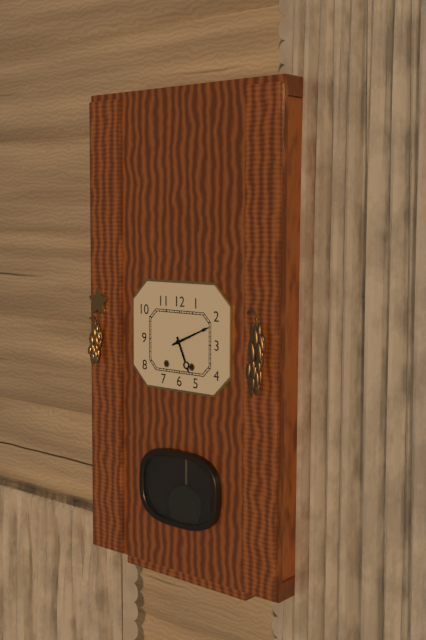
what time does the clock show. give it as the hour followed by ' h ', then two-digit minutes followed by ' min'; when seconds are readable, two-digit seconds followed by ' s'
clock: 5 h 11 min
